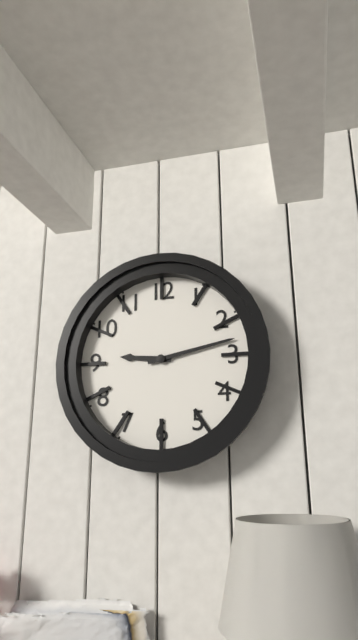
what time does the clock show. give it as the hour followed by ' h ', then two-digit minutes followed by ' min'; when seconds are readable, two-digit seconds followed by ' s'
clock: 9 h 13 min
